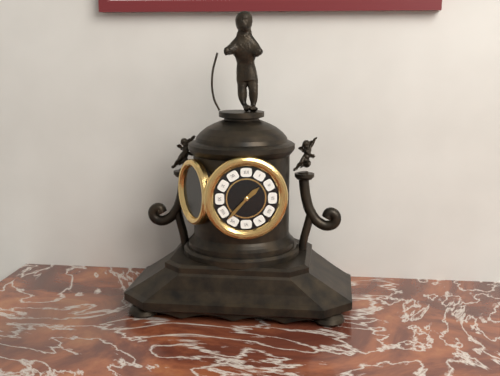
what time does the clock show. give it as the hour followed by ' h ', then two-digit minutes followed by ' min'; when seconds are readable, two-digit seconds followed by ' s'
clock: 1 h 37 min
